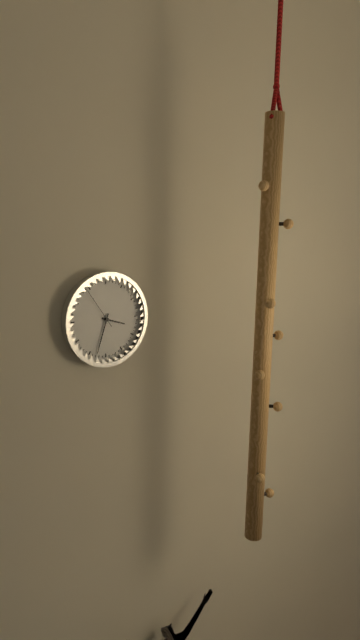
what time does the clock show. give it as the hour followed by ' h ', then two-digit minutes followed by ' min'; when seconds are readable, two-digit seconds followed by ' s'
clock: 3 h 33 min
